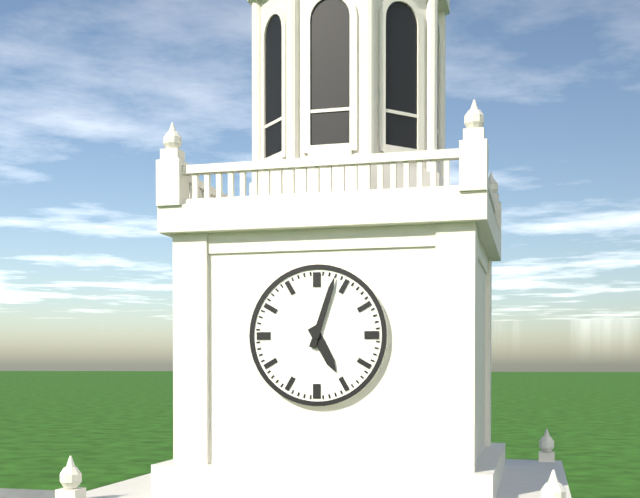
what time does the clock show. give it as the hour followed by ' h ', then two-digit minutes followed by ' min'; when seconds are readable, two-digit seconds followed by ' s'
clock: 5 h 03 min
